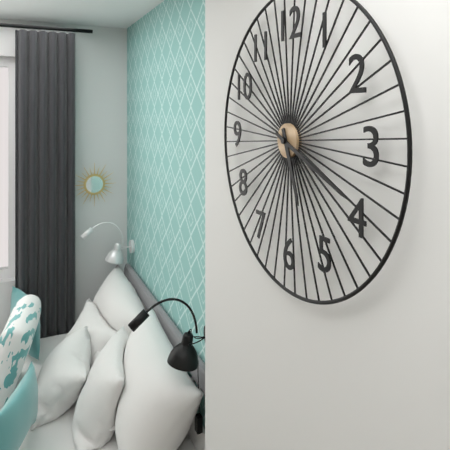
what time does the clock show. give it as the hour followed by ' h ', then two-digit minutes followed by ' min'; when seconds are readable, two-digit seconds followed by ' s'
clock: 5 h 19 min
